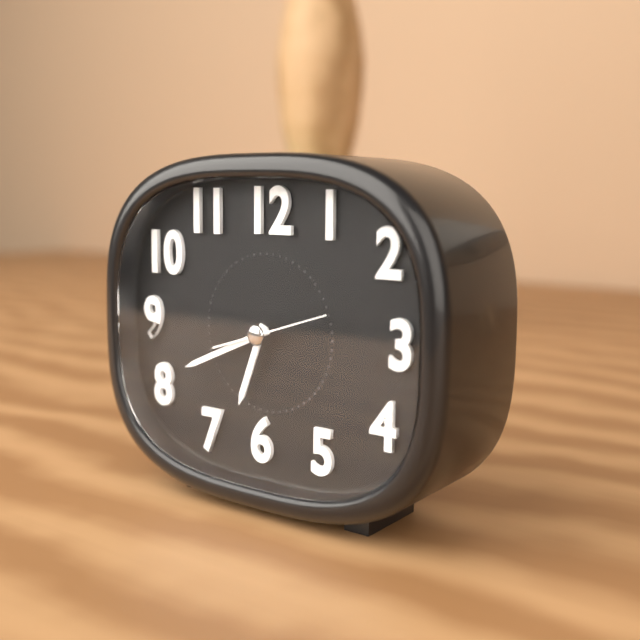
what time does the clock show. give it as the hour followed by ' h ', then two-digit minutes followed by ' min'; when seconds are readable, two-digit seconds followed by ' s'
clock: 6 h 41 min 12 s
